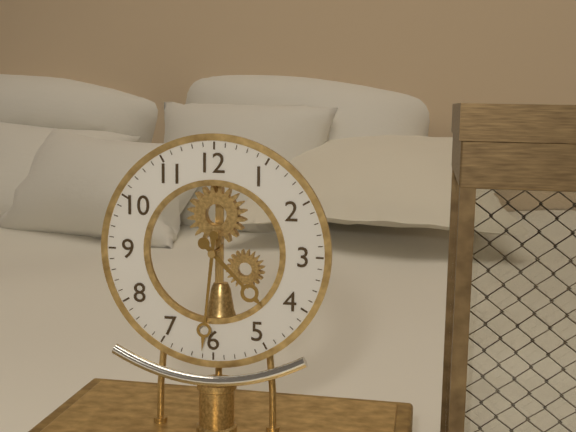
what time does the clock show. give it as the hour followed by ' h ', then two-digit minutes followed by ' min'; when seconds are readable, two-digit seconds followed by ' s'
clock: 4 h 31 min
